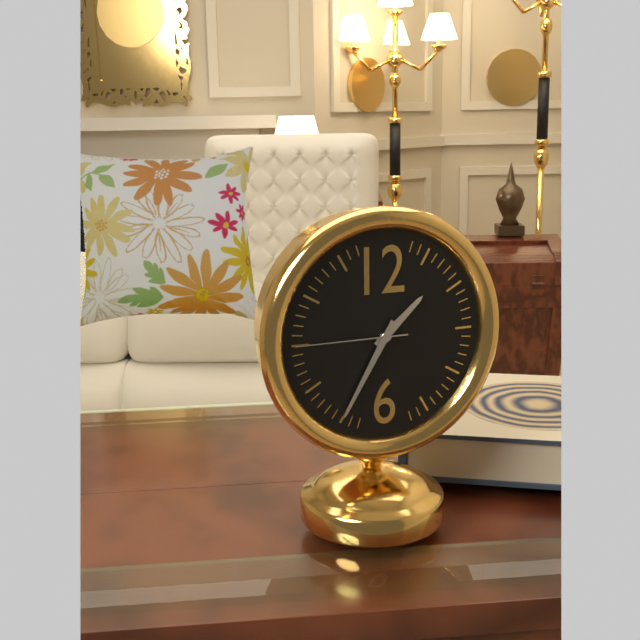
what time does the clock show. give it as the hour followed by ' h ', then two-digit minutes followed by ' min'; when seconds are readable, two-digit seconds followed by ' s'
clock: 1 h 35 min 45 s
